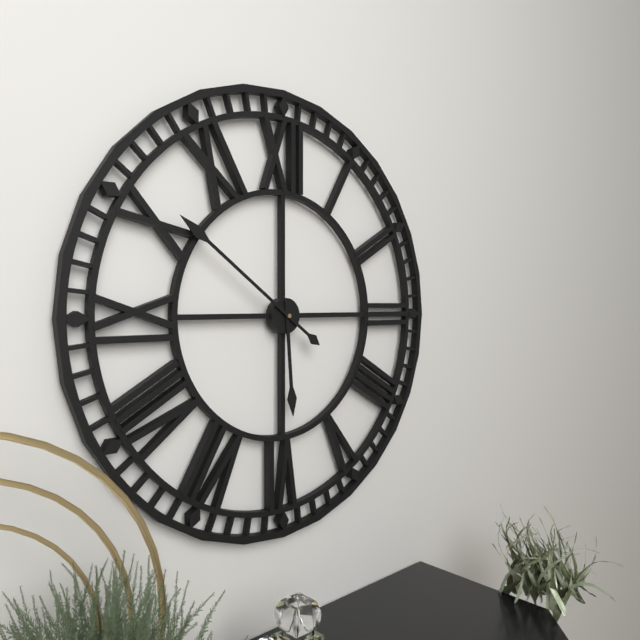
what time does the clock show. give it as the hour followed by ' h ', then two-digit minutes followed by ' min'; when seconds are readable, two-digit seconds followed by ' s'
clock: 5 h 51 min
